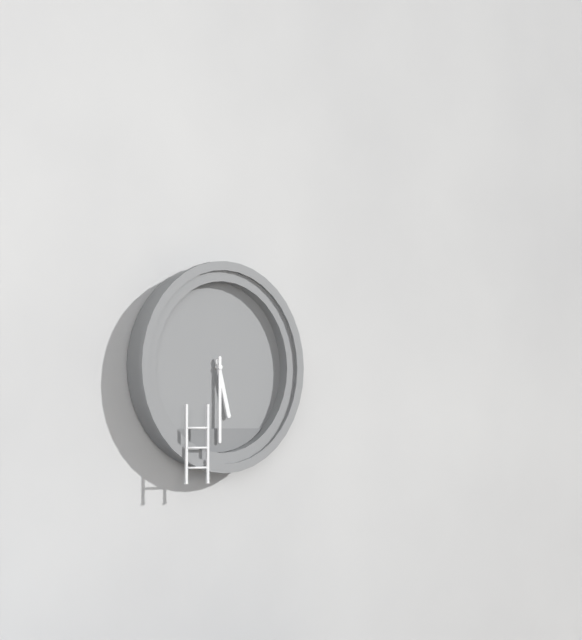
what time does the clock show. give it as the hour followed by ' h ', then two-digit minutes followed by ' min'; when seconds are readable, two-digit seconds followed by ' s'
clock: 5 h 30 min
